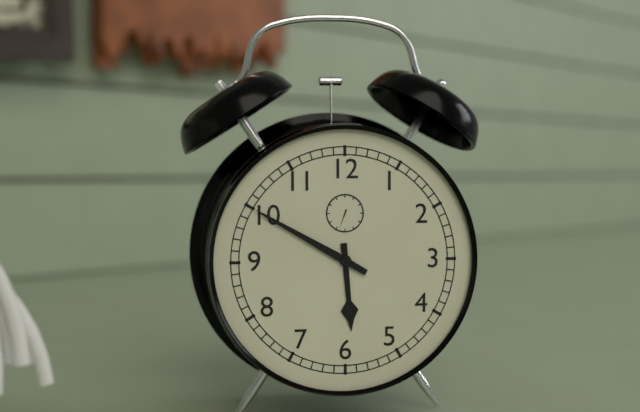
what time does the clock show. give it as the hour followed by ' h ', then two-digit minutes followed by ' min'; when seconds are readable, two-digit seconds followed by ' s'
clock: 5 h 50 min
